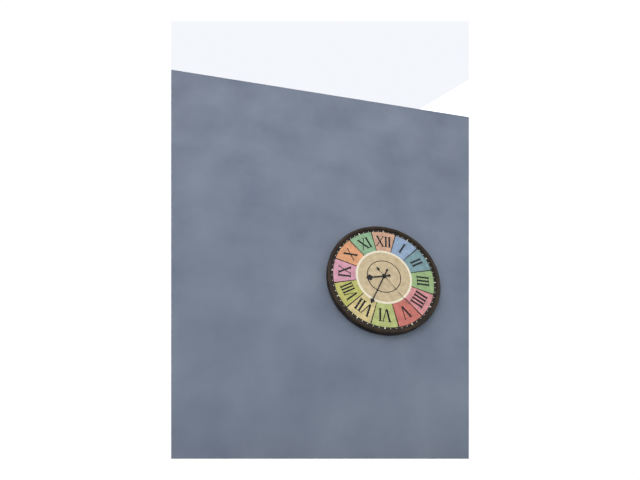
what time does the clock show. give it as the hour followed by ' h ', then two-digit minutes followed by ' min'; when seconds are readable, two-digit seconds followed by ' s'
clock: 8 h 34 min
